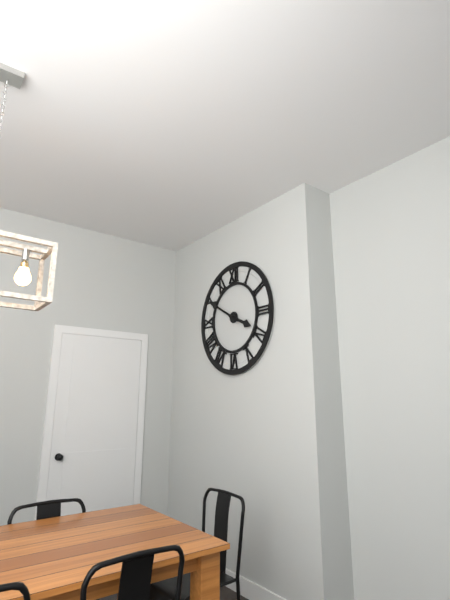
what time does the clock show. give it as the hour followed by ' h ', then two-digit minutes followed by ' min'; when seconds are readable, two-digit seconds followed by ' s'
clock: 3 h 50 min
